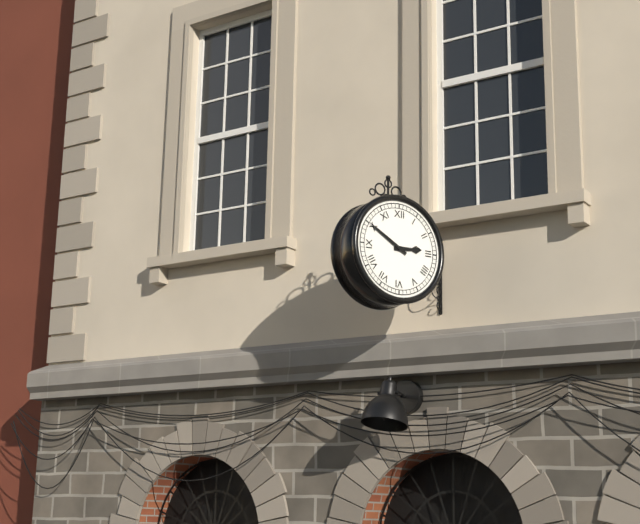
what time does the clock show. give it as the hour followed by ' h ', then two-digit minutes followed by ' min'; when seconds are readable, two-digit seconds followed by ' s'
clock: 2 h 50 min
